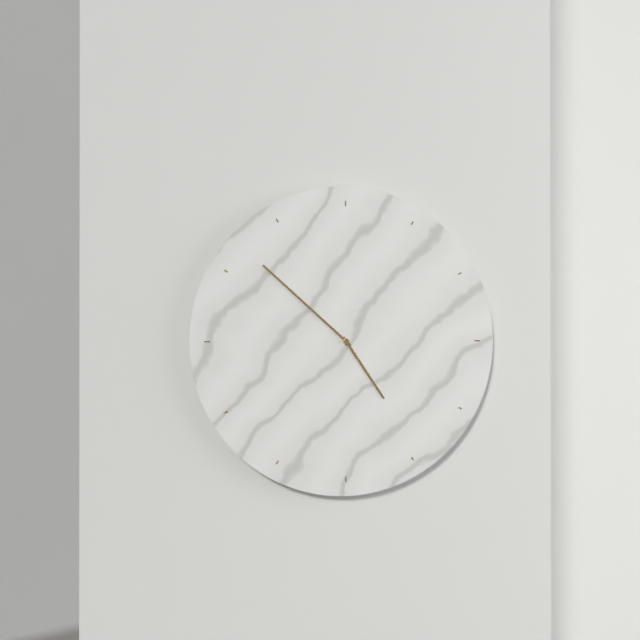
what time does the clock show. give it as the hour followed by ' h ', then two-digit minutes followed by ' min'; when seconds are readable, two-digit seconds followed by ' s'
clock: 4 h 52 min
